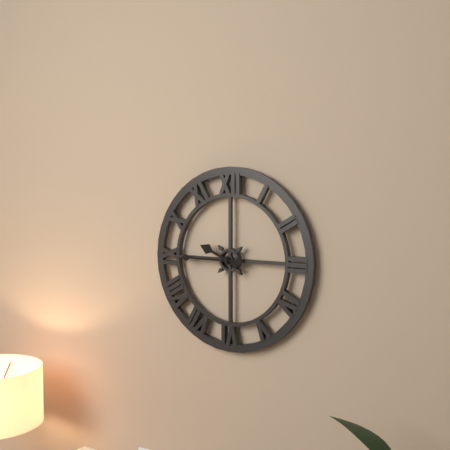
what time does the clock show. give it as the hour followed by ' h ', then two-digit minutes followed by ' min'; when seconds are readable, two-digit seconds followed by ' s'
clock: 9 h 45 min
